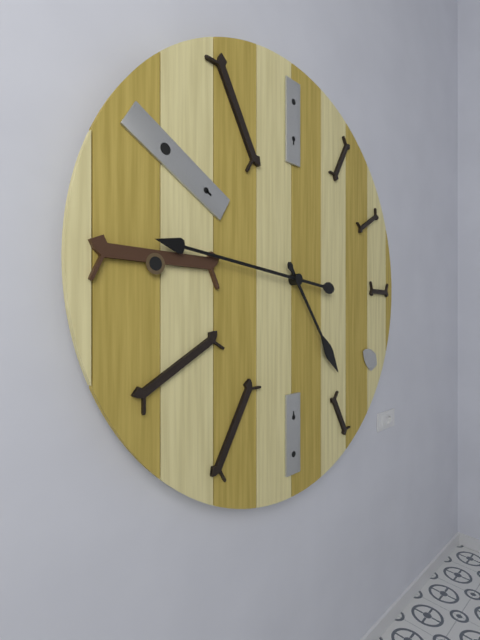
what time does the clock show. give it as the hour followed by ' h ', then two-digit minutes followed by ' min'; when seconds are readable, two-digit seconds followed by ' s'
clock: 4 h 46 min
